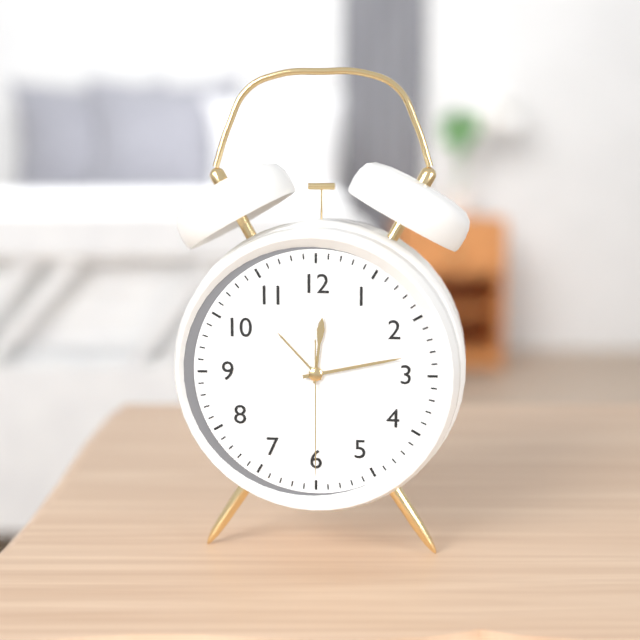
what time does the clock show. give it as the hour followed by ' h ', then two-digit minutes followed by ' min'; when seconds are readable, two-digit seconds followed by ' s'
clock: 12 h 13 min 30 s
